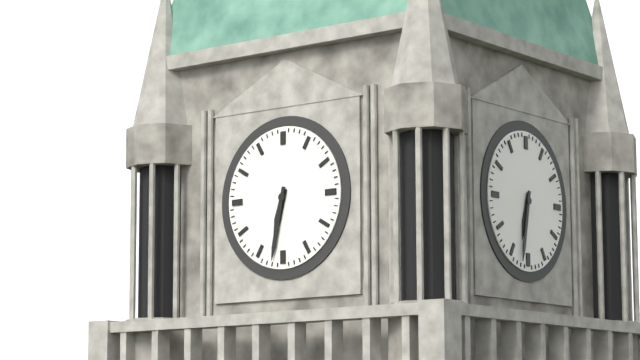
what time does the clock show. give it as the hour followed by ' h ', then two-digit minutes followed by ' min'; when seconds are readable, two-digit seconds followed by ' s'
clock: 6 h 32 min
